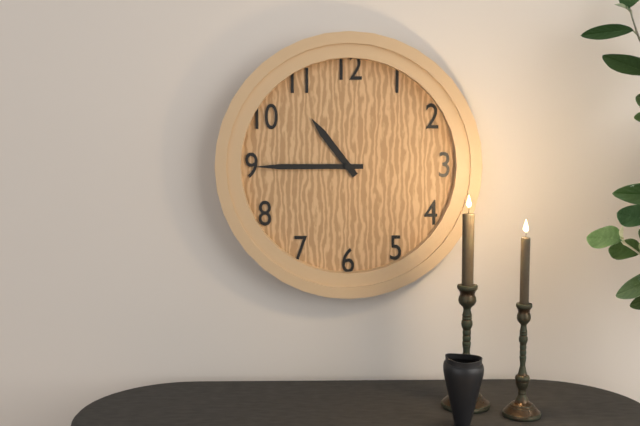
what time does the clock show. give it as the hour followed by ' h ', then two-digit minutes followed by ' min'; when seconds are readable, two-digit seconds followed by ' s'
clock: 10 h 45 min
